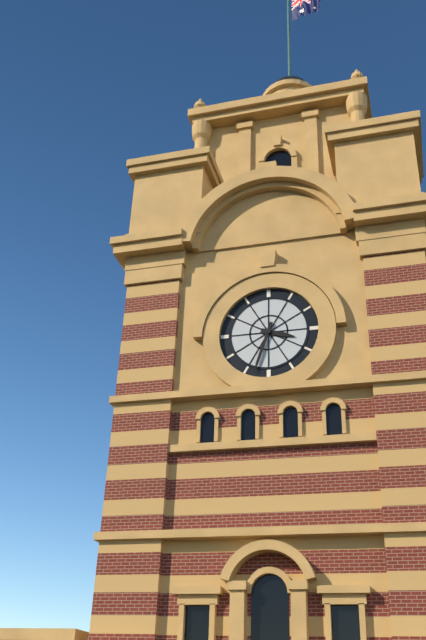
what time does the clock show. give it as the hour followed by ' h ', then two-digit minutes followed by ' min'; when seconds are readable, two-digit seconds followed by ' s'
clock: 3 h 33 min
